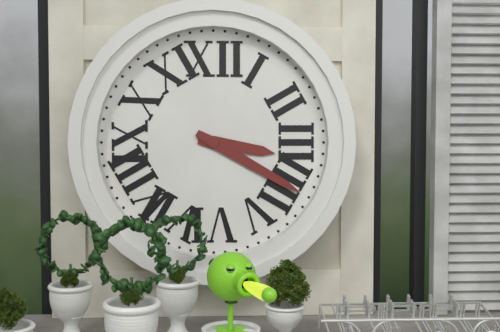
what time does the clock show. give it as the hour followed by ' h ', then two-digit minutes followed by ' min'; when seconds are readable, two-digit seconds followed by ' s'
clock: 3 h 20 min
